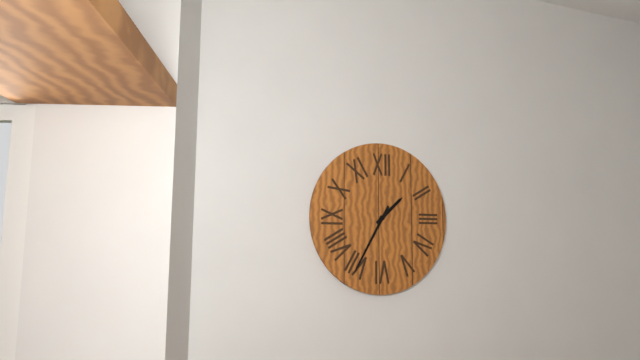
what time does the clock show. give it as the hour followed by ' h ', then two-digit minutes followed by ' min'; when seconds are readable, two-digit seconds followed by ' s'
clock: 1 h 35 min
